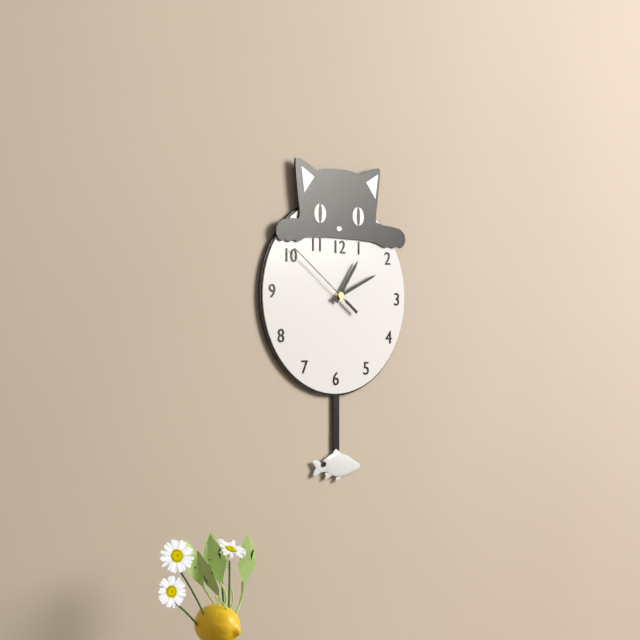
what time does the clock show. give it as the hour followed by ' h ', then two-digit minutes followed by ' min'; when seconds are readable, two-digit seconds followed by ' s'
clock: 1 h 11 min 51 s
